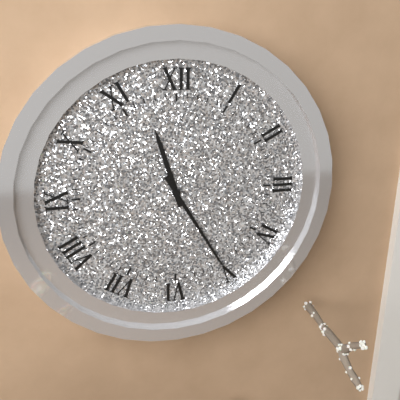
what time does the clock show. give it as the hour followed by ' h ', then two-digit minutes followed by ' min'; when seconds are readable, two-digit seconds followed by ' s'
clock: 11 h 25 min
